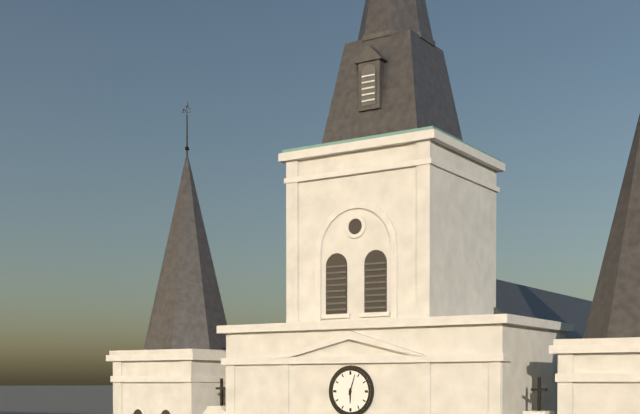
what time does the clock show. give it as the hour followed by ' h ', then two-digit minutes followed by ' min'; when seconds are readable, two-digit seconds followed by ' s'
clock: 6 h 03 min
